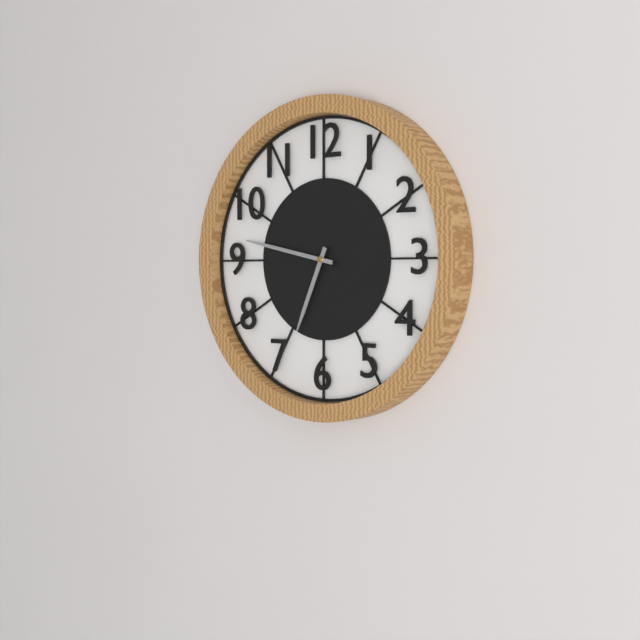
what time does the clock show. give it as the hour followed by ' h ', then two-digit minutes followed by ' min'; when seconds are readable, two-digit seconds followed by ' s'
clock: 6 h 47 min
